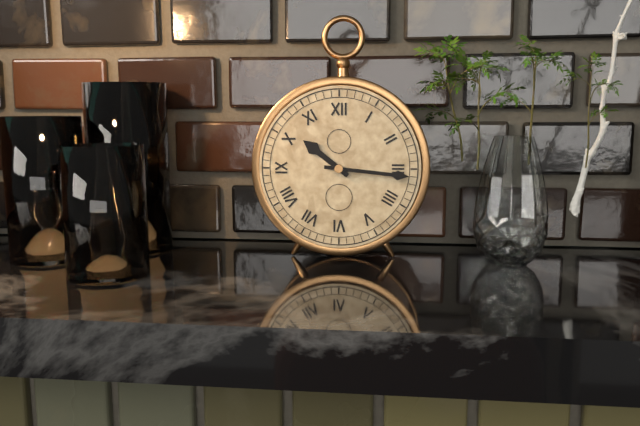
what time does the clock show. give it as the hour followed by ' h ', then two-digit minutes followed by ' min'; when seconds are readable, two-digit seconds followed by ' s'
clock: 10 h 16 min
